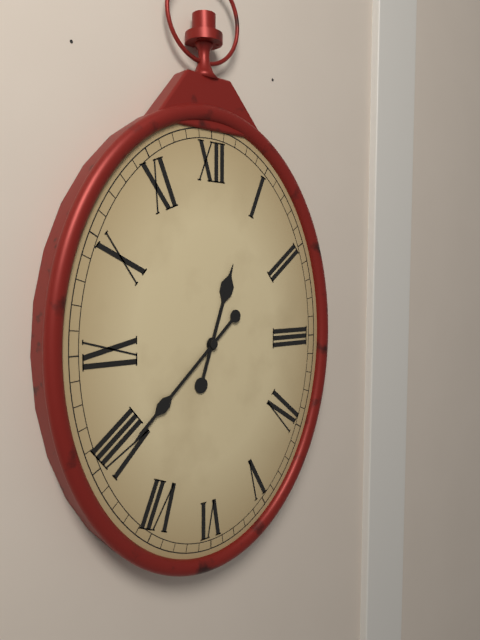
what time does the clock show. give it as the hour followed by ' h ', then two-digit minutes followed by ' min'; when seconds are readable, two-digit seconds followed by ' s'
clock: 12 h 38 min
